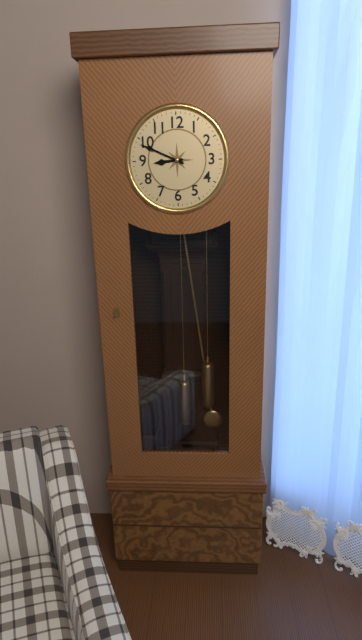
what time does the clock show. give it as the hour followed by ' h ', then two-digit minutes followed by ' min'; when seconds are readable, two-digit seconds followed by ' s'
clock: 8 h 49 min
